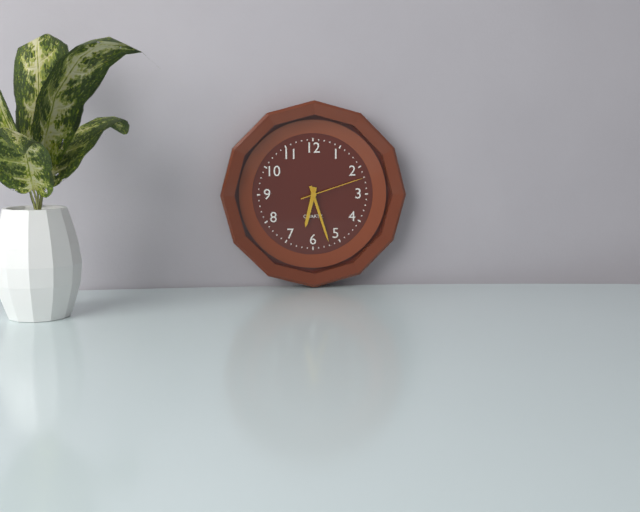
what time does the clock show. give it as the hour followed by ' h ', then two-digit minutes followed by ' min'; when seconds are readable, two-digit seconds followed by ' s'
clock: 6 h 27 min 12 s
